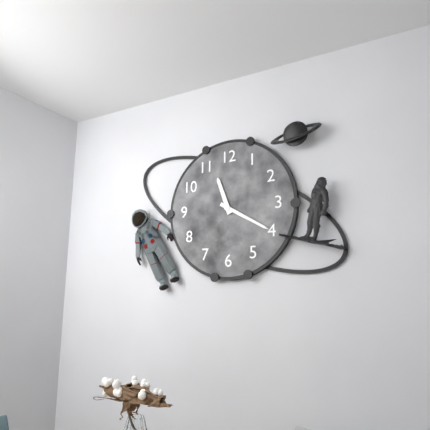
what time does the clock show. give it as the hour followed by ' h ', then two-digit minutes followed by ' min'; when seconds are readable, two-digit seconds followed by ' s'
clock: 11 h 20 min
